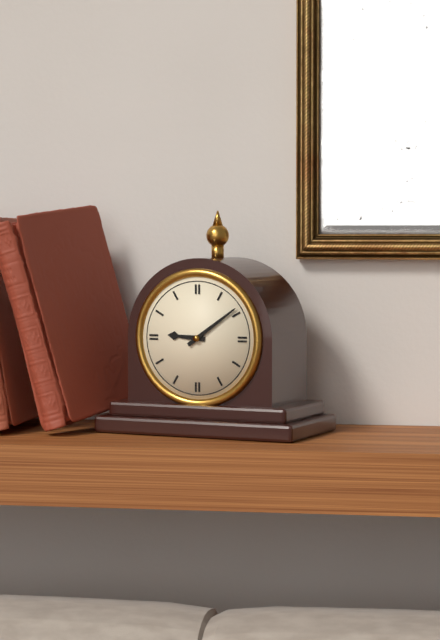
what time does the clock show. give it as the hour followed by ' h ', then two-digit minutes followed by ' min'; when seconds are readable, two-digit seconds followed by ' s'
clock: 9 h 09 min
